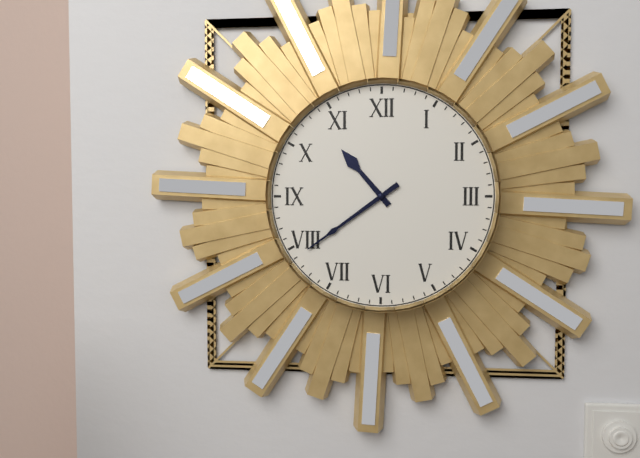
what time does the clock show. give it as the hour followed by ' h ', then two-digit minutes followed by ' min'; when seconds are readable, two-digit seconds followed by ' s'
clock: 10 h 39 min
